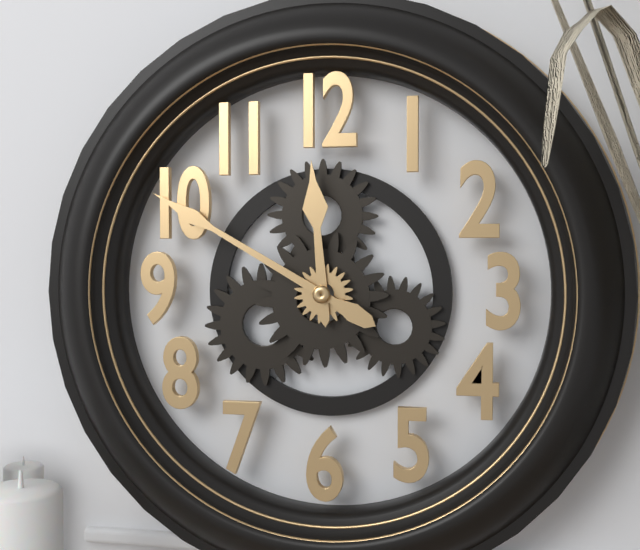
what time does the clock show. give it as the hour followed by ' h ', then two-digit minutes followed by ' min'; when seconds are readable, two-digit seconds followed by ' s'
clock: 11 h 50 min
